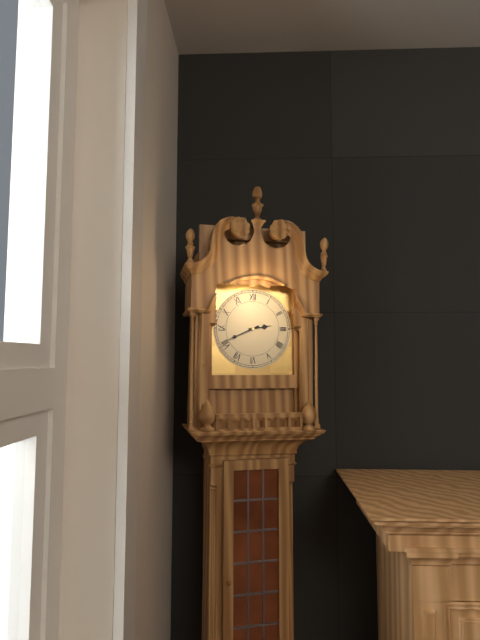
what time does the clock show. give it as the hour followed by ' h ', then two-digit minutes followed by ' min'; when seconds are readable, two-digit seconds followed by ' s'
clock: 2 h 41 min
